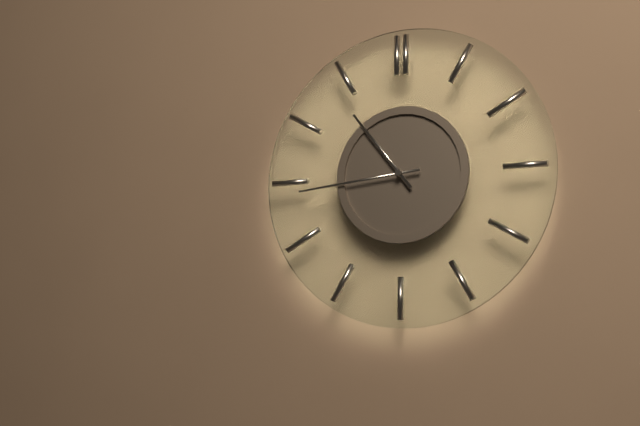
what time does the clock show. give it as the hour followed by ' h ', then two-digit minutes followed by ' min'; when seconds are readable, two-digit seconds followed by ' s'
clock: 10 h 44 min
